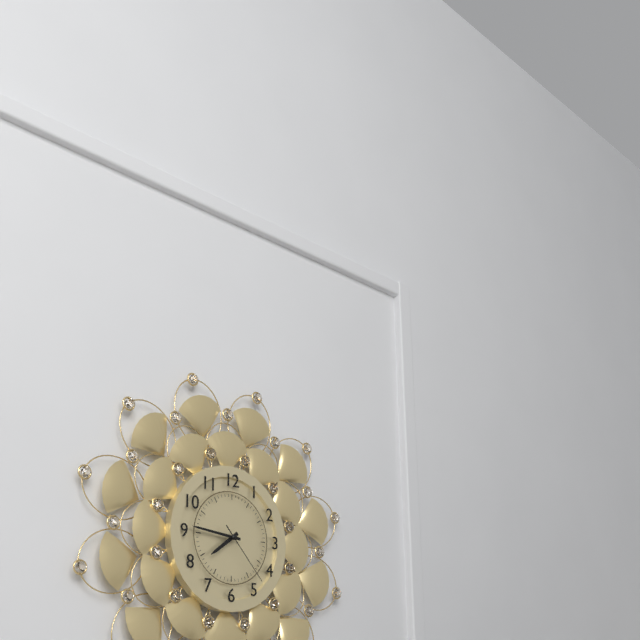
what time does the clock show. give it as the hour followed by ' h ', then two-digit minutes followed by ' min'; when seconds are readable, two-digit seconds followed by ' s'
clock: 7 h 46 min 23 s
